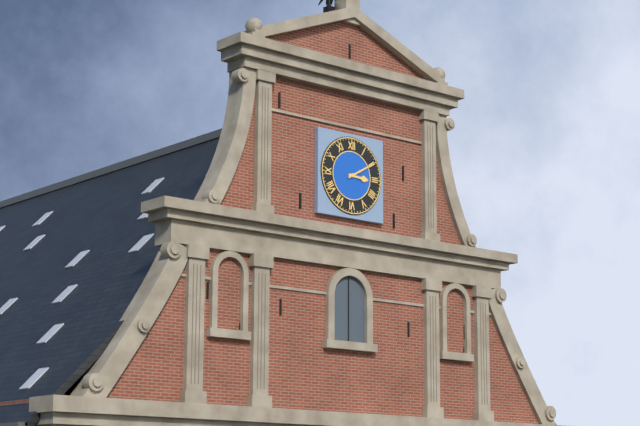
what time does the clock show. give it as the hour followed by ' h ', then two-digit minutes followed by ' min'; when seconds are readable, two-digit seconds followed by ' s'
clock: 3 h 10 min
